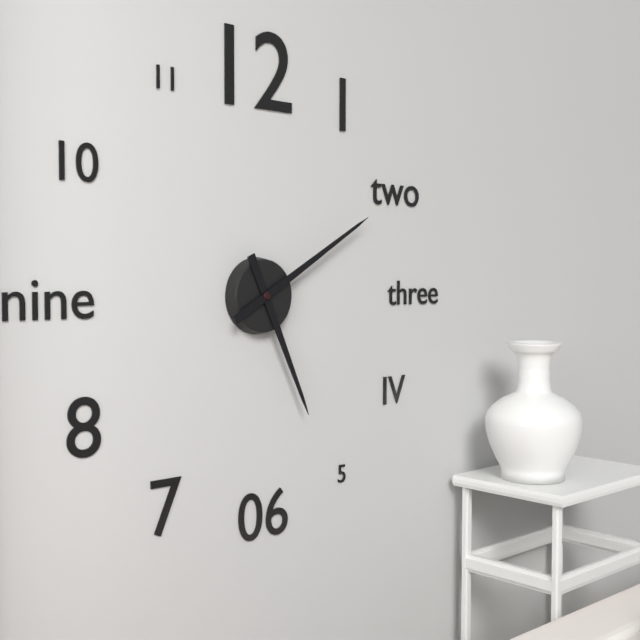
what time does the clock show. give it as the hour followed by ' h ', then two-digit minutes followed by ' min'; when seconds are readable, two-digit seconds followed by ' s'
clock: 5 h 10 min
